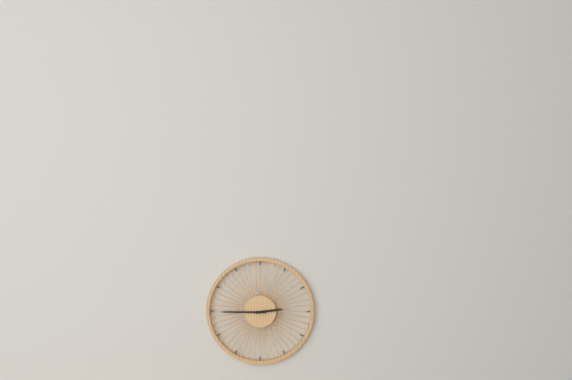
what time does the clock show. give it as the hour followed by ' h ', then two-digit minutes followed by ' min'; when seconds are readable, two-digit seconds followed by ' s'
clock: 2 h 45 min
